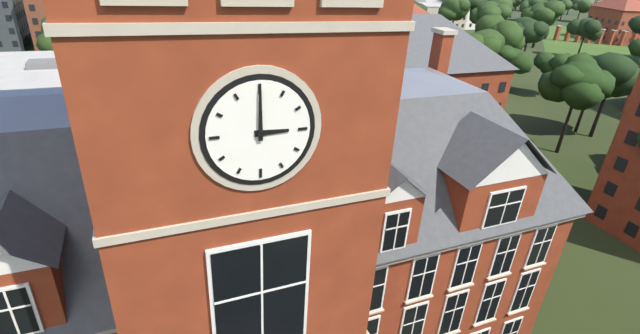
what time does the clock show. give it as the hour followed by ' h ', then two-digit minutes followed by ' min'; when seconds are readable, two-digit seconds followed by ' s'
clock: 3 h 00 min
